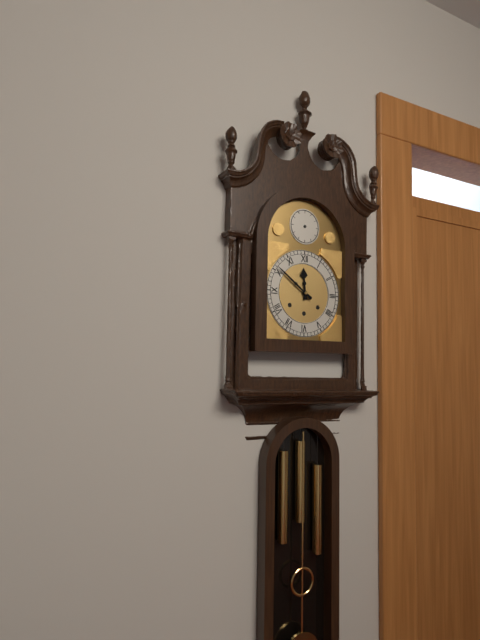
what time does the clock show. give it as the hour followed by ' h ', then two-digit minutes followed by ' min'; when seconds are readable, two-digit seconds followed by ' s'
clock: 11 h 51 min
